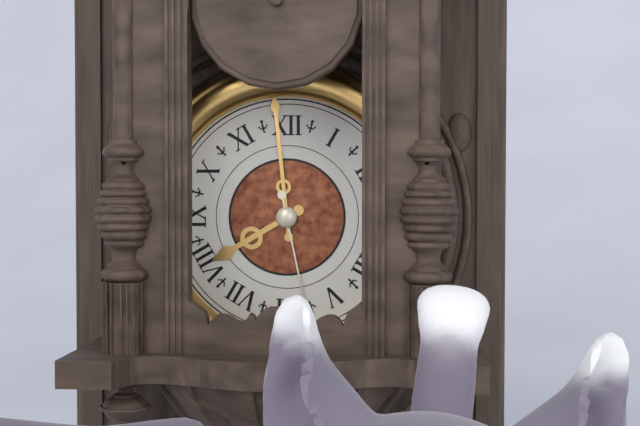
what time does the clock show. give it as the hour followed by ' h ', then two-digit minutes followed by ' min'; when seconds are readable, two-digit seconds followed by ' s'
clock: 7 h 59 min 28 s
